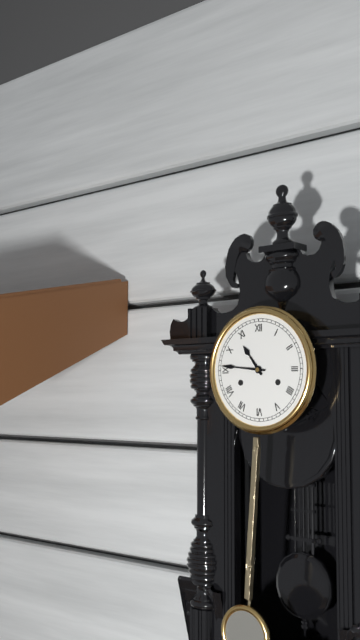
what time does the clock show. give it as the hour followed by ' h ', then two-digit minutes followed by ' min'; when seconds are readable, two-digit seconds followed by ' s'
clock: 10 h 46 min
